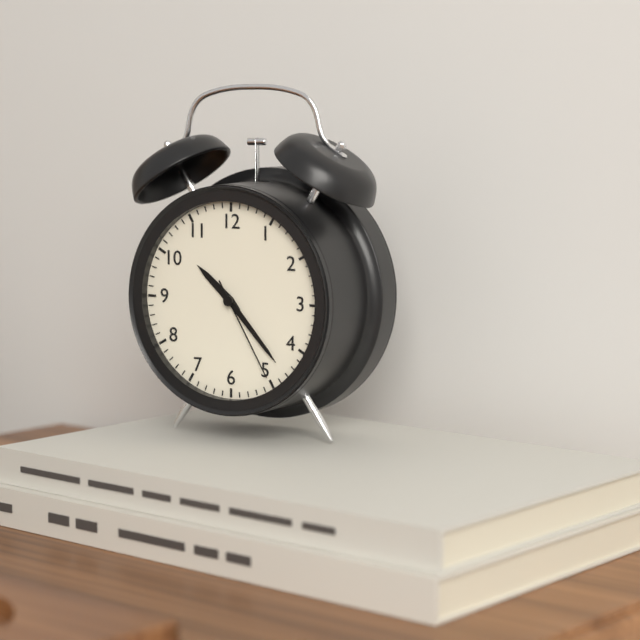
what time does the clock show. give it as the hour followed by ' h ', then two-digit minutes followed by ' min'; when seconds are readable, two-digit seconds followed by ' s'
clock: 10 h 23 min 25 s
